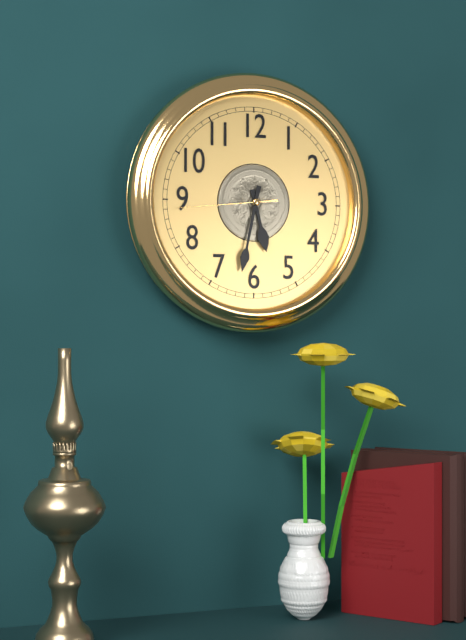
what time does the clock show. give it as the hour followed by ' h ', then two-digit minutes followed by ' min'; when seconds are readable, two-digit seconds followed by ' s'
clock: 5 h 32 min 44 s
